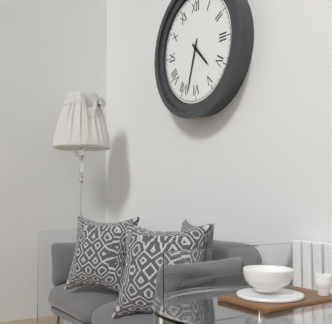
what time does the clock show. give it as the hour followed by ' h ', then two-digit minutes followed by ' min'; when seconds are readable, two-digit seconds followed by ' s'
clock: 4 h 33 min
